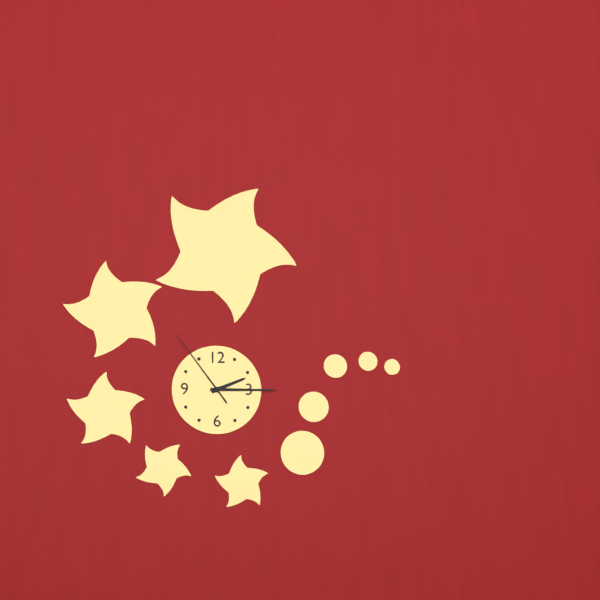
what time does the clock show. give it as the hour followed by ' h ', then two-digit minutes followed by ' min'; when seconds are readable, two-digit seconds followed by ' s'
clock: 2 h 15 min 54 s
